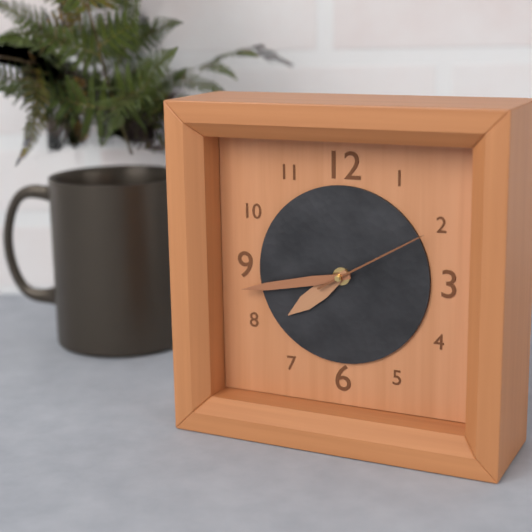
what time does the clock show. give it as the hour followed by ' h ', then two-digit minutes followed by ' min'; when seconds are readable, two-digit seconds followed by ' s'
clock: 7 h 43 min 10 s
